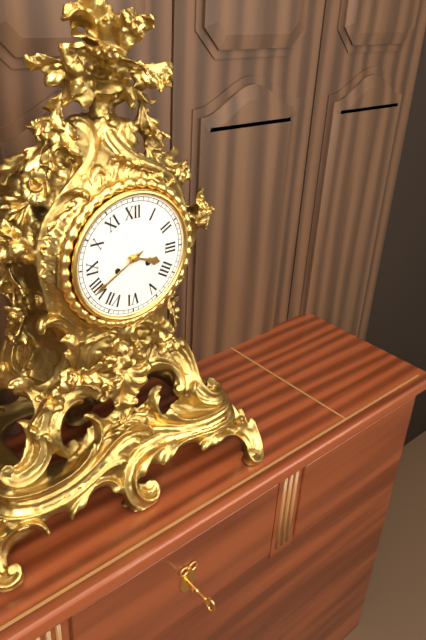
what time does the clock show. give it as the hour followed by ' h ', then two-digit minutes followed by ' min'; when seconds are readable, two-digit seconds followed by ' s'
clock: 3 h 40 min
